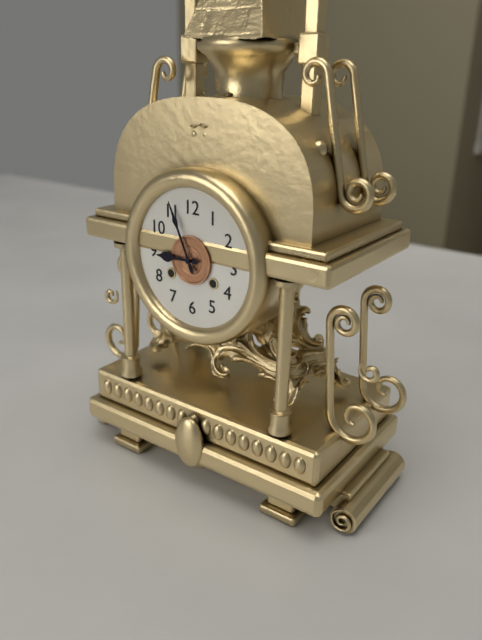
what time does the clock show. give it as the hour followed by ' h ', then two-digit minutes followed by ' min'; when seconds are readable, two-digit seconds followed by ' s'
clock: 8 h 56 min
